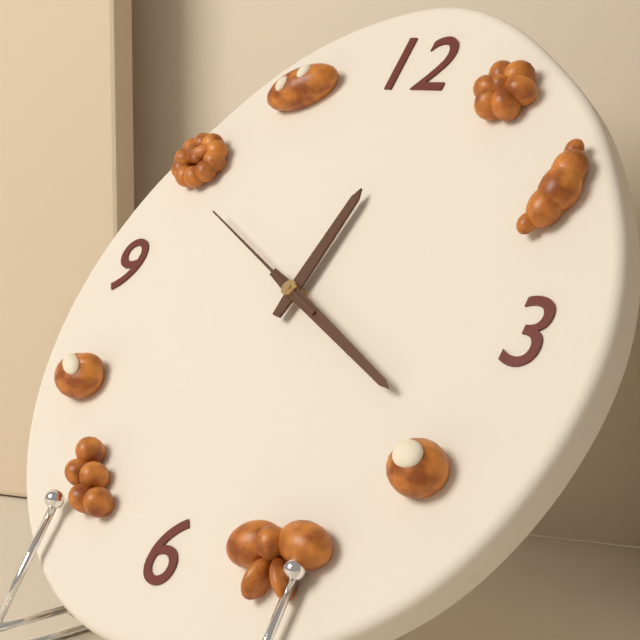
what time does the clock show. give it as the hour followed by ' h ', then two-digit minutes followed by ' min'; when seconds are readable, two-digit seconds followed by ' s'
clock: 12 h 19 min 49 s
